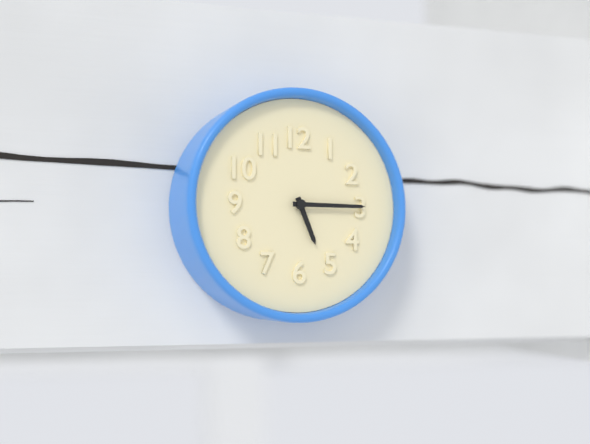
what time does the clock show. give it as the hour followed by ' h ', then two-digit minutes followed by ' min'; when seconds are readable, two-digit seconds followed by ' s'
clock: 5 h 15 min
